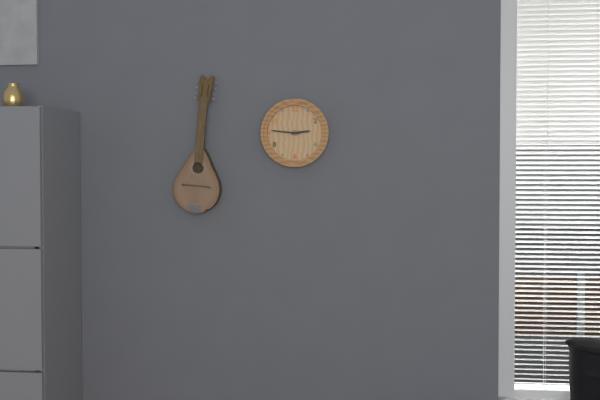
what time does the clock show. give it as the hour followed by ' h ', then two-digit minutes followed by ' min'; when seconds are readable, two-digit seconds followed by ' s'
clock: 2 h 46 min
